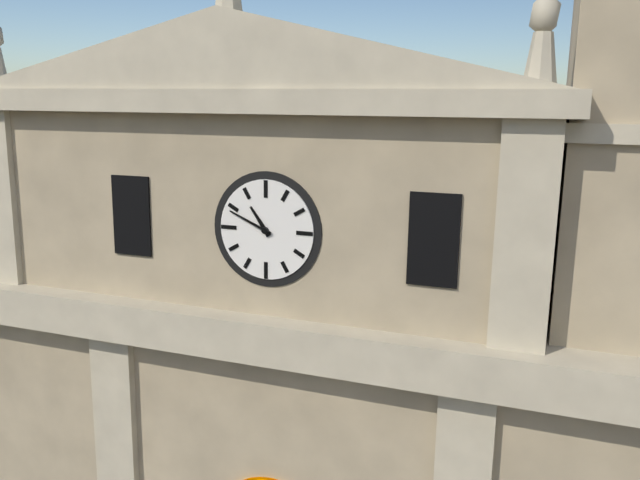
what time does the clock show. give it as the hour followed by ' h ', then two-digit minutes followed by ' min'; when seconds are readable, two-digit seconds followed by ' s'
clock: 10 h 49 min
